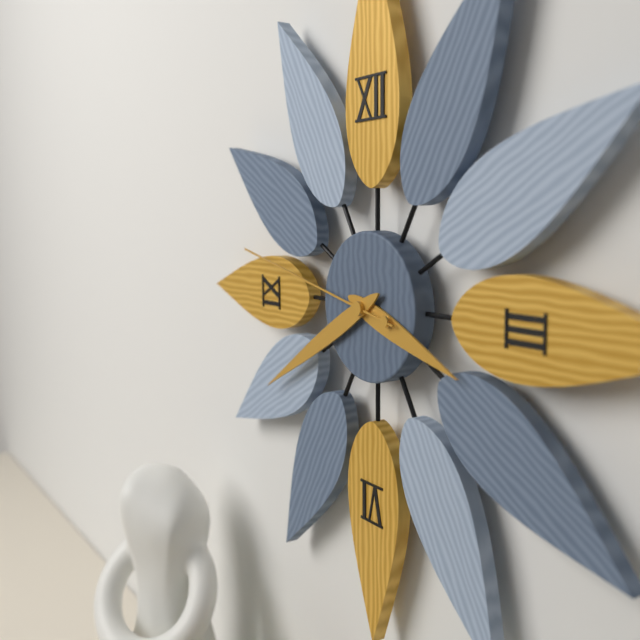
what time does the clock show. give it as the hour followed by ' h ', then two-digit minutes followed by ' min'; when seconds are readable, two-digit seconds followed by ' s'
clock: 3 h 40 min 47 s
